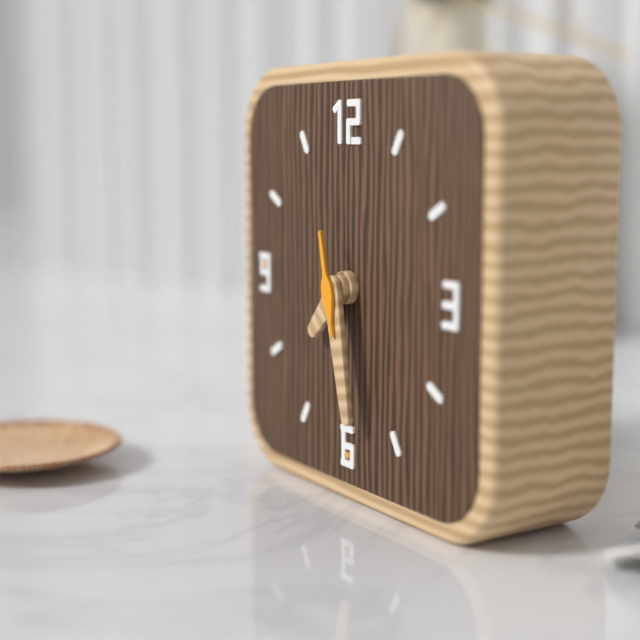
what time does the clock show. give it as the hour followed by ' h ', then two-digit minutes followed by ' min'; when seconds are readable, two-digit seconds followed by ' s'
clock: 7 h 28 min 58 s
